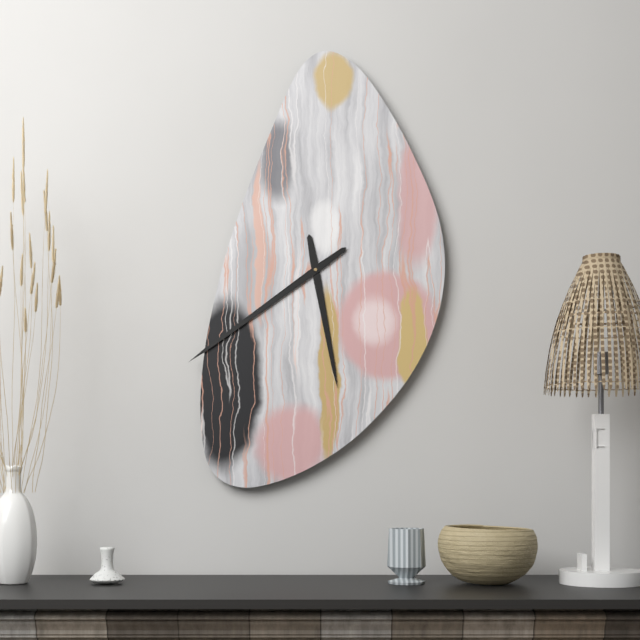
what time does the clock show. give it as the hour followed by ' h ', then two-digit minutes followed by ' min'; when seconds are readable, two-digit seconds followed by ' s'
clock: 5 h 39 min
